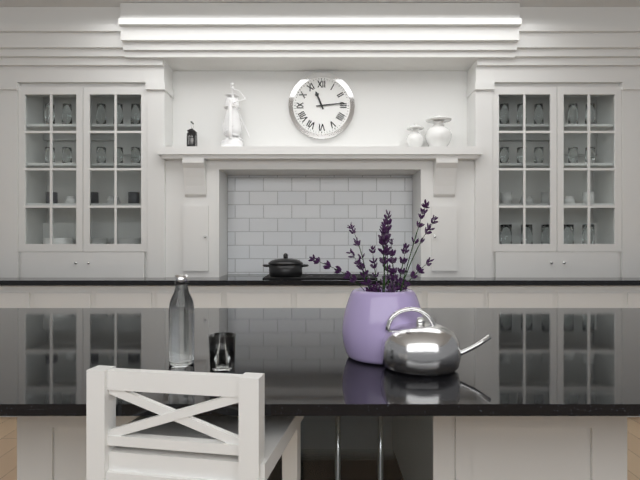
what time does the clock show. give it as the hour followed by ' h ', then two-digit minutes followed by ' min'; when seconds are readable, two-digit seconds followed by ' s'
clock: 11 h 14 min
